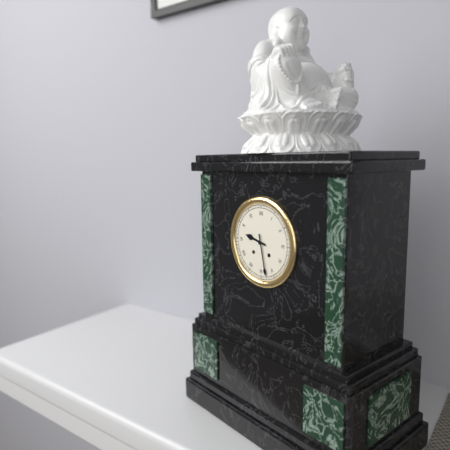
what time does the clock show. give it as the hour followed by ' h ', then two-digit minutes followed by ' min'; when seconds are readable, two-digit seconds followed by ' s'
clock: 9 h 28 min
